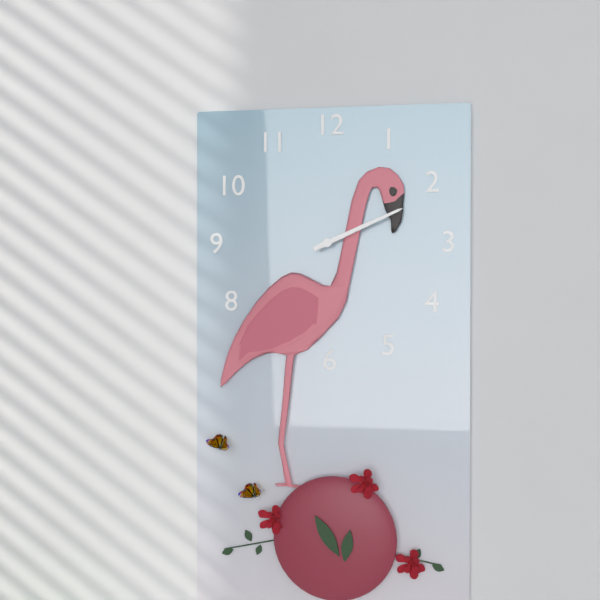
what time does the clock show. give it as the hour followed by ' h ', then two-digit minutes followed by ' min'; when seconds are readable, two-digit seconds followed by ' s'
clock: 2 h 11 min
